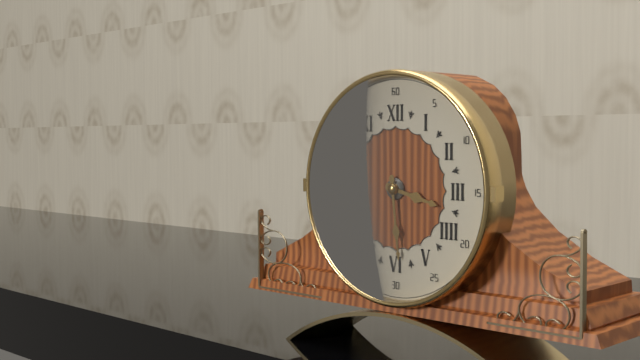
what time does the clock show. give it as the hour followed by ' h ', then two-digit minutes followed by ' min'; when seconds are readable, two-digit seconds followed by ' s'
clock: 3 h 29 min
